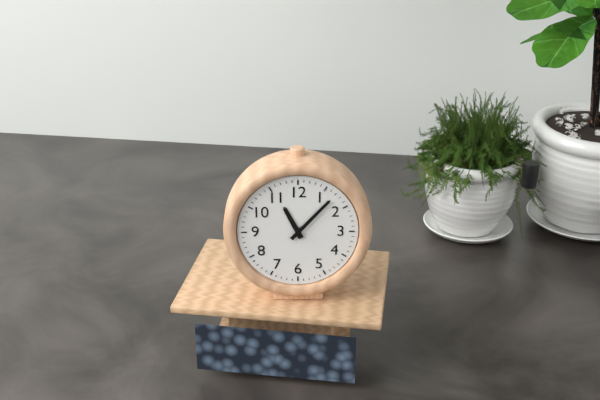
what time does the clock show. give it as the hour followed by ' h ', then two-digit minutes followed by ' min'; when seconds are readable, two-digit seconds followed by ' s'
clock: 11 h 07 min
